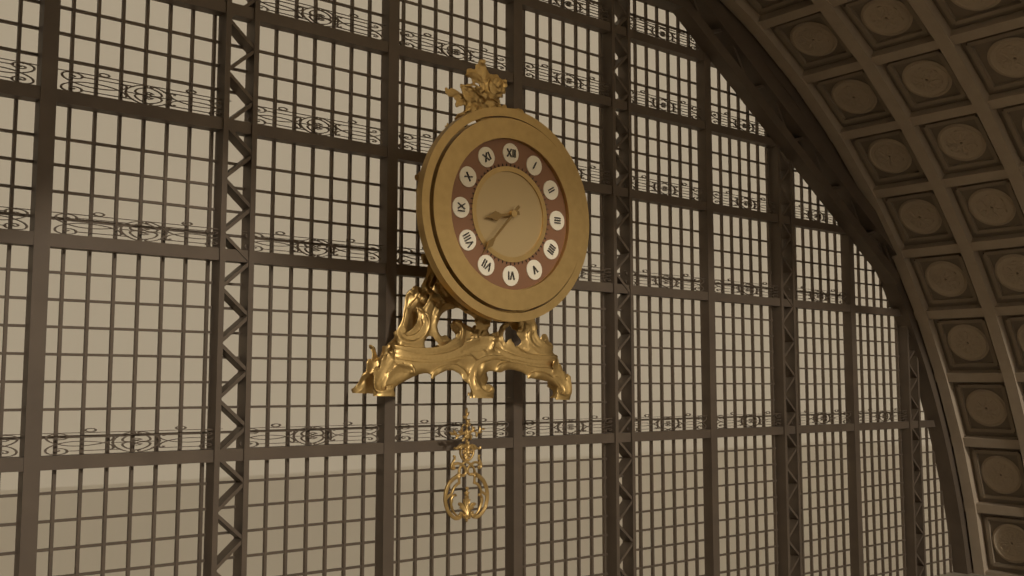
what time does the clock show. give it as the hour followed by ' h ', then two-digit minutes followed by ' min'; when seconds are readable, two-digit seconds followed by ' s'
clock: 8 h 37 min
